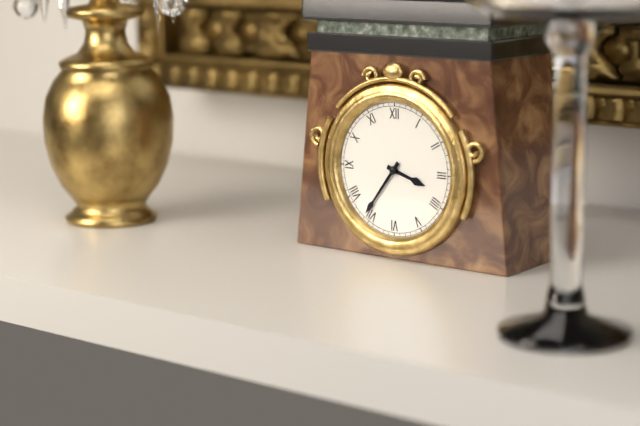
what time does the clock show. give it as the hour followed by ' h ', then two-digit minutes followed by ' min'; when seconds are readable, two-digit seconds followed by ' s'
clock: 3 h 36 min
